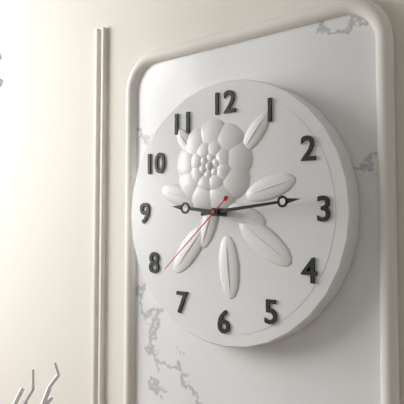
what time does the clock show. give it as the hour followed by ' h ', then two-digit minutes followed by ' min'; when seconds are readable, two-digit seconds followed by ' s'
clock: 9 h 14 min 38 s
